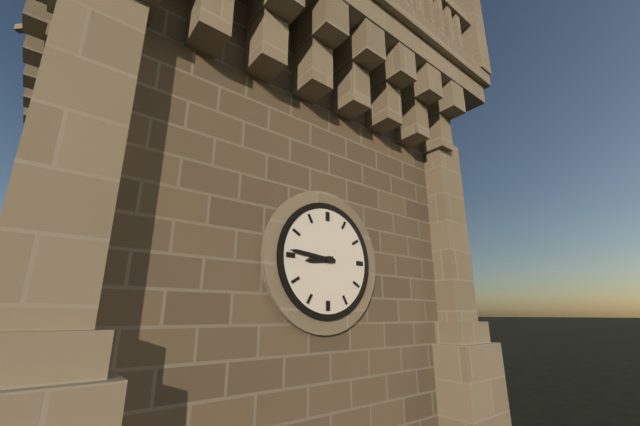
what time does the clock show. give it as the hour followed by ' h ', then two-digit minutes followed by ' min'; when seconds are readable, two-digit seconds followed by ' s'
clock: 8 h 46 min
